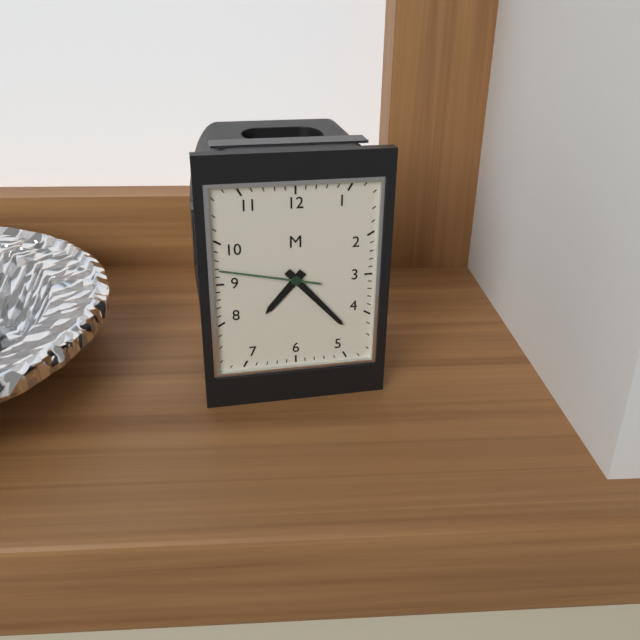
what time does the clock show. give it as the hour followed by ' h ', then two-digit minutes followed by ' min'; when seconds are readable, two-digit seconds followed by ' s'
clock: 7 h 23 min 47 s
